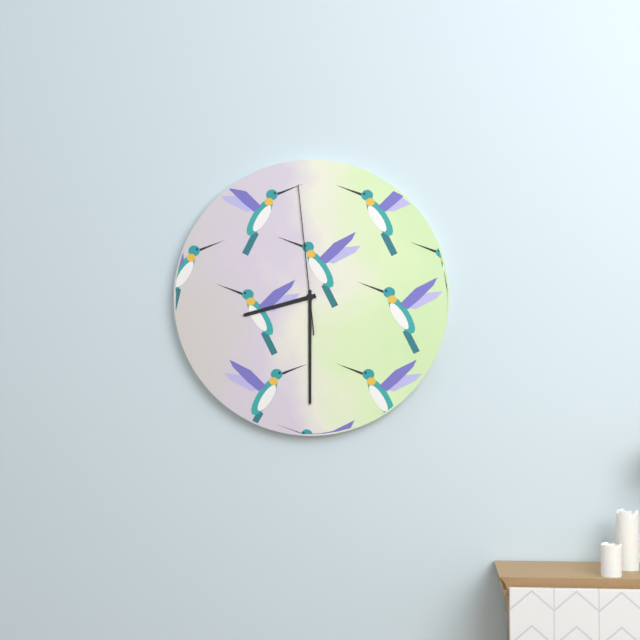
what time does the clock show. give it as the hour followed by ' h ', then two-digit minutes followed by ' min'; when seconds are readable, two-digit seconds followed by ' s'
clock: 8 h 30 min 59 s
